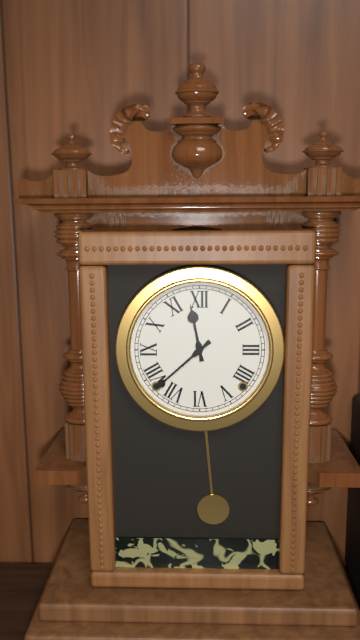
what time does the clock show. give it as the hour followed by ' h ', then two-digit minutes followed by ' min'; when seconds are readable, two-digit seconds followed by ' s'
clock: 11 h 38 min
